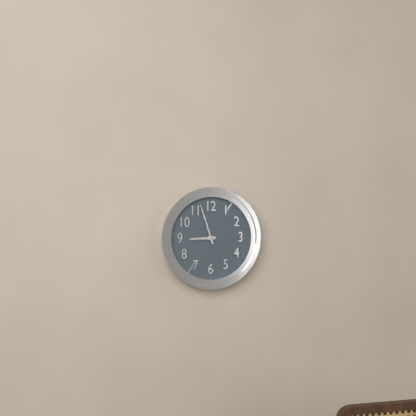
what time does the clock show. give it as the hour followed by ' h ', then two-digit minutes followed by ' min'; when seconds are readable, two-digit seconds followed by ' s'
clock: 8 h 57 min
